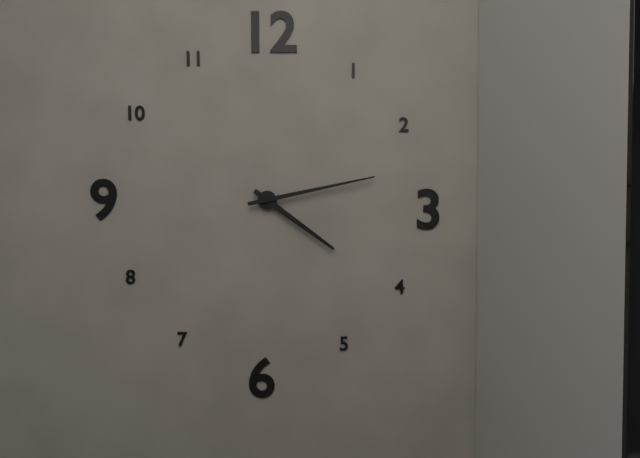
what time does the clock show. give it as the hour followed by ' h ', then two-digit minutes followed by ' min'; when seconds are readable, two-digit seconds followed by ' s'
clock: 4 h 13 min
